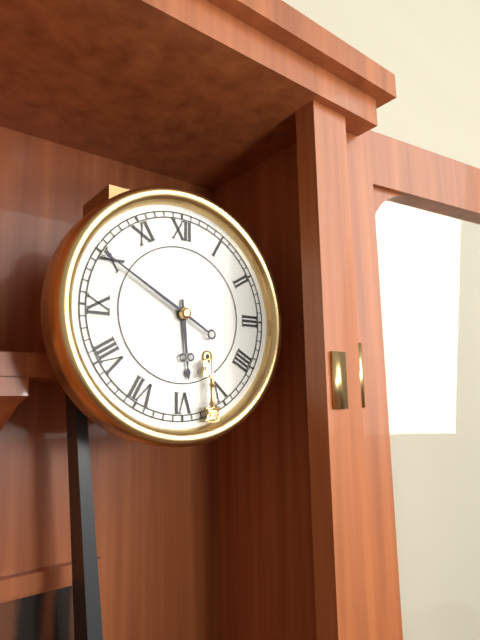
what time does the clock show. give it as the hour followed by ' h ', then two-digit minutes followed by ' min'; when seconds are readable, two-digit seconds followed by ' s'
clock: 5 h 50 min
